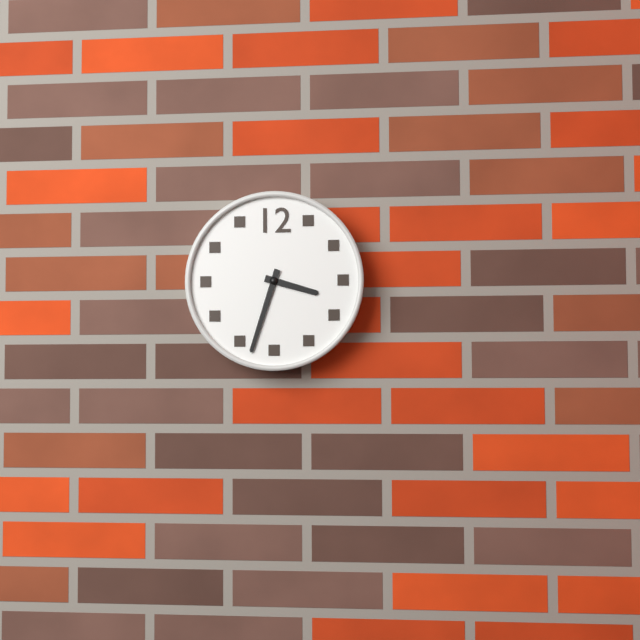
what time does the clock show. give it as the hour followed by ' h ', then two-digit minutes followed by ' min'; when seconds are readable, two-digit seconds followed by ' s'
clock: 3 h 33 min
